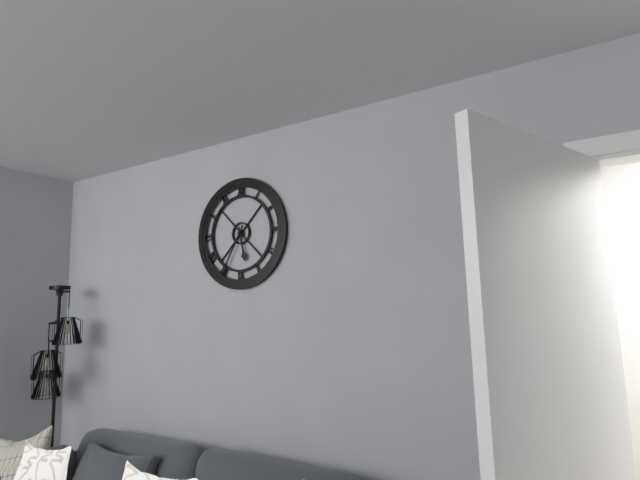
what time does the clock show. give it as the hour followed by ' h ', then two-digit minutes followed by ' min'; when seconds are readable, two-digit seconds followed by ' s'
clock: 5 h 35 min
